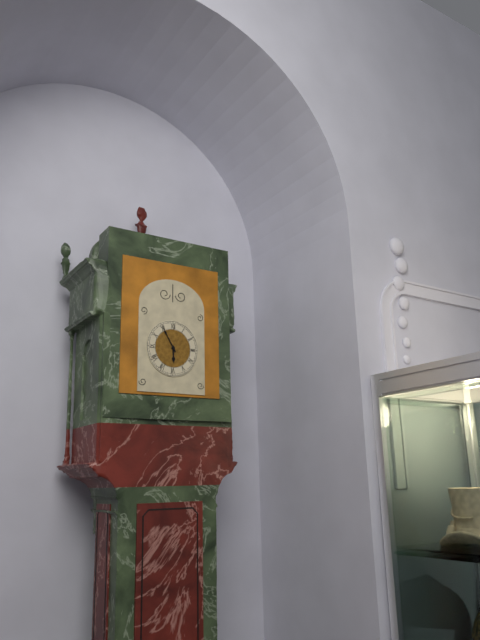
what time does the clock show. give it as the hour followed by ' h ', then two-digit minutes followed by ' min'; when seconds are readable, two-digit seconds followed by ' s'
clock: 5 h 55 min
